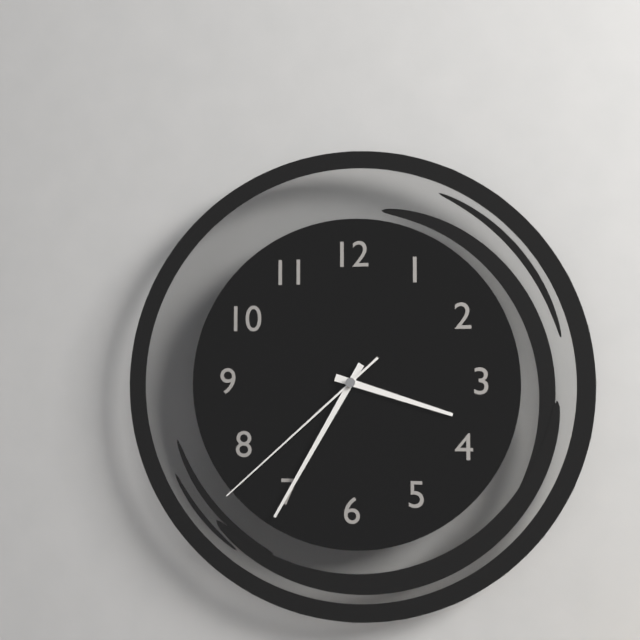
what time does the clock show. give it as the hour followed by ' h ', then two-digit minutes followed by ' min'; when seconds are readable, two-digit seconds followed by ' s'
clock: 3 h 35 min 38 s
